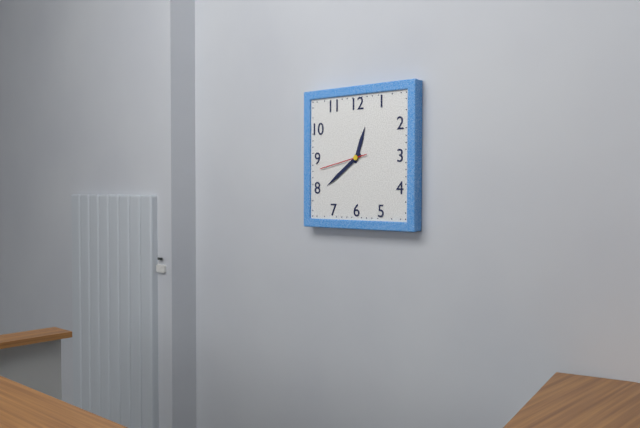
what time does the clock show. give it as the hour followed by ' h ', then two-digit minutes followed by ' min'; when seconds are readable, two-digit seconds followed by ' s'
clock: 12 h 39 min
